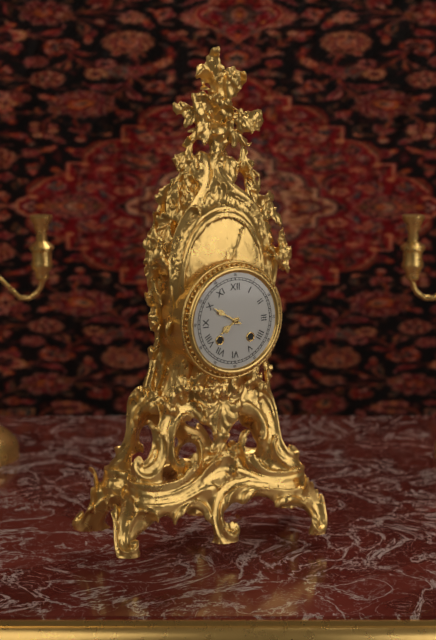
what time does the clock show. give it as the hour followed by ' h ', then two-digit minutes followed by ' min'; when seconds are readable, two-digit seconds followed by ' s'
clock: 7 h 50 min
